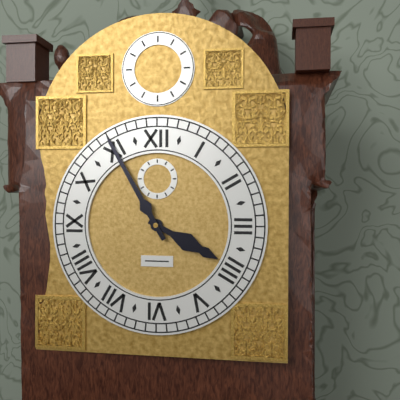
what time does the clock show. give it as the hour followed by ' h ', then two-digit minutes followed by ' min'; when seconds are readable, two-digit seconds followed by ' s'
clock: 3 h 55 min
